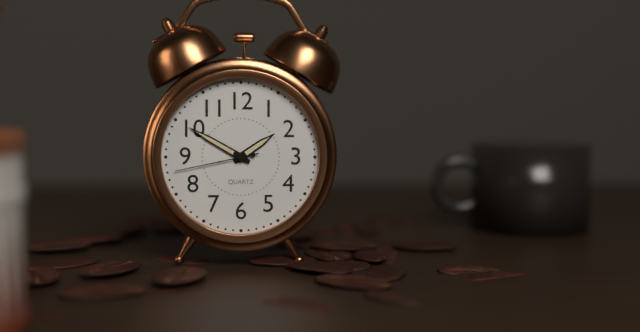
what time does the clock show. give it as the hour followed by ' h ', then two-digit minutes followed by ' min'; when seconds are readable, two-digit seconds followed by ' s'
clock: 1 h 50 min 43 s
